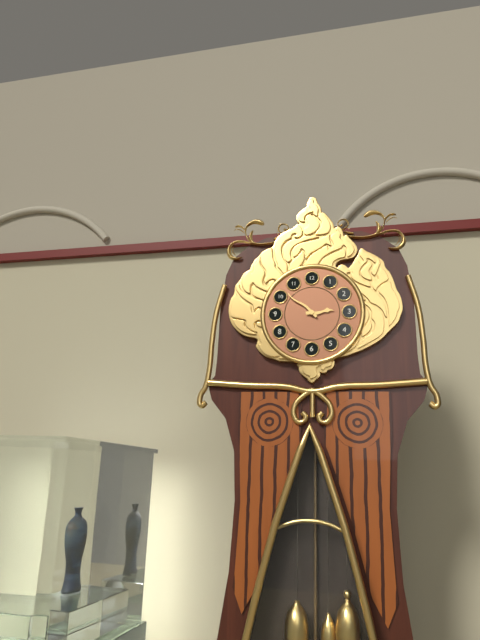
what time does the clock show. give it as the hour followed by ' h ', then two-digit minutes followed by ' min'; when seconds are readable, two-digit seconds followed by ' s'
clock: 2 h 52 min
